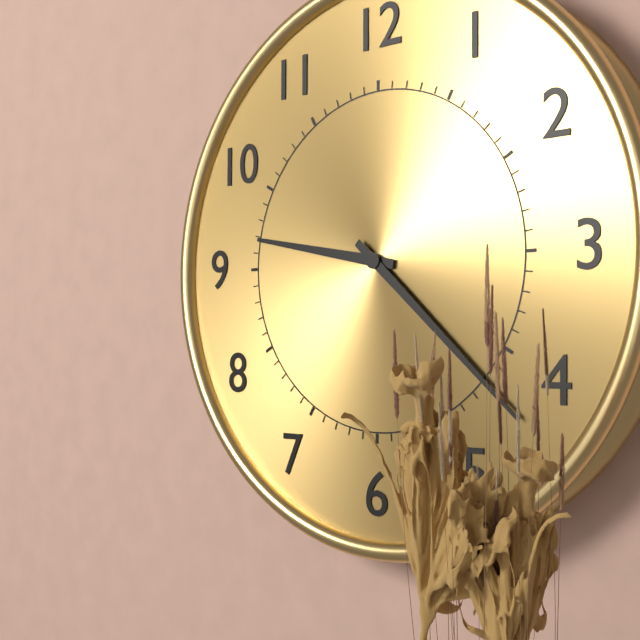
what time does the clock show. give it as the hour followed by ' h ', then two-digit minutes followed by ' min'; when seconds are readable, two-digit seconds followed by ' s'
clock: 9 h 22 min
